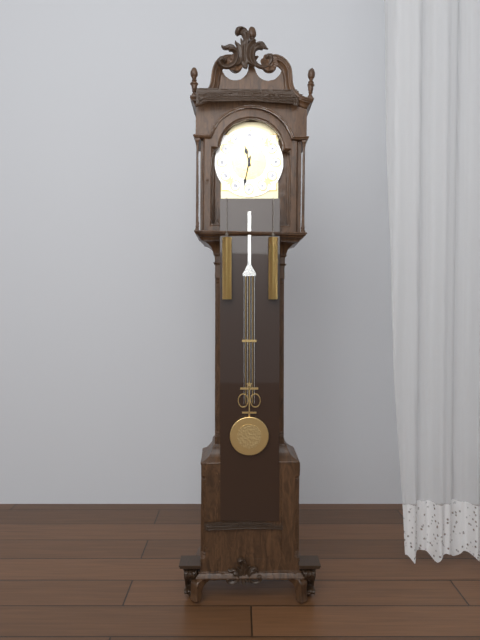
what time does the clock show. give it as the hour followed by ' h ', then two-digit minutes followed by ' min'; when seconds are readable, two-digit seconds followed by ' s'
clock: 11 h 32 min
